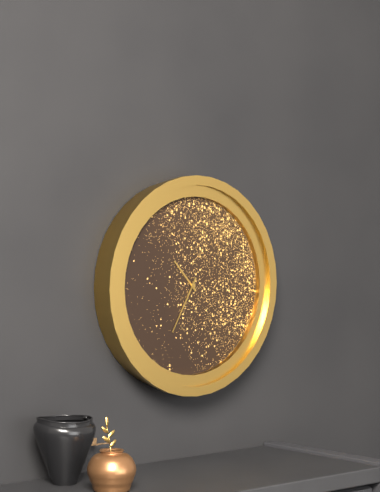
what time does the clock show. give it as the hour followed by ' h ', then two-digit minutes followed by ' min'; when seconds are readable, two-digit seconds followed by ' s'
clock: 10 h 35 min
